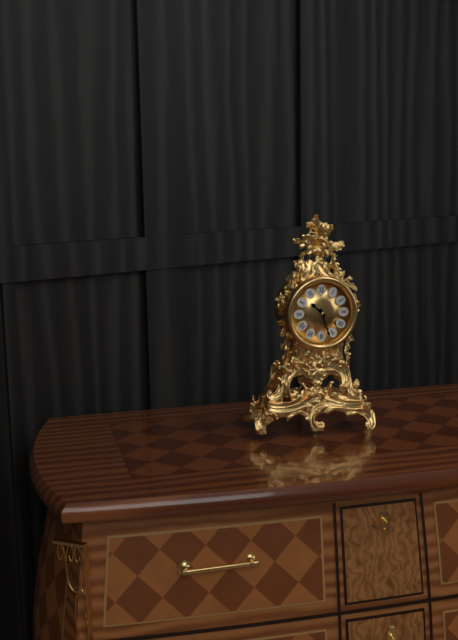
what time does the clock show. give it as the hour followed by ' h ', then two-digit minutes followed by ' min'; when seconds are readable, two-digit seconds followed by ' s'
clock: 10 h 27 min
